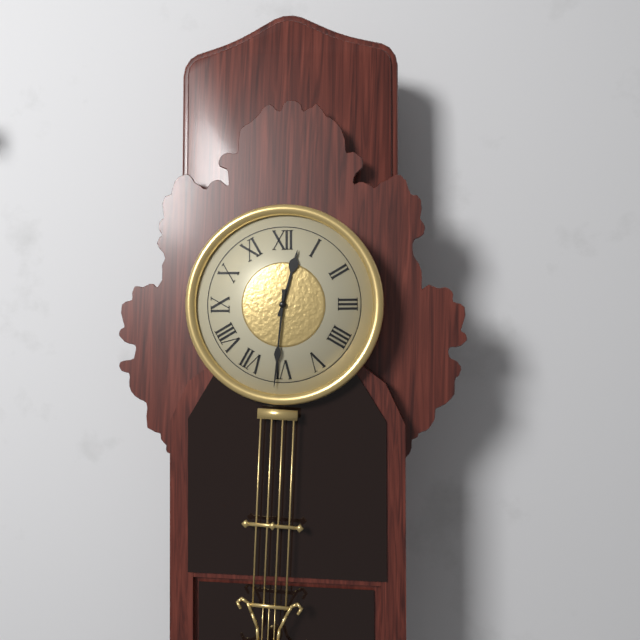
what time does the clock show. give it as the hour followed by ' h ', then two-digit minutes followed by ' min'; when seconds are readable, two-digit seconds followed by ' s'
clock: 12 h 31 min
